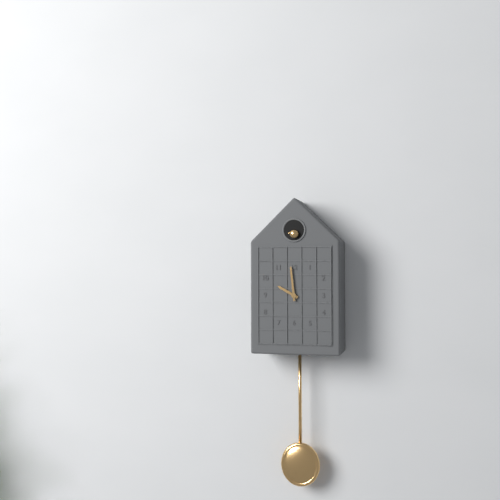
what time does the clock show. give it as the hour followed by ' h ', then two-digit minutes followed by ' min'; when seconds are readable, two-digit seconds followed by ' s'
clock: 9 h 59 min
